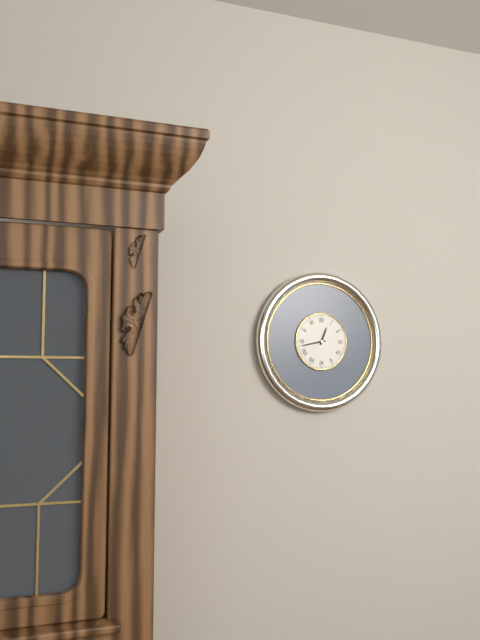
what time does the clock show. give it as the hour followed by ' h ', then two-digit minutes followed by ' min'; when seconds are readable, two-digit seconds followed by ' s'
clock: 12 h 43 min
